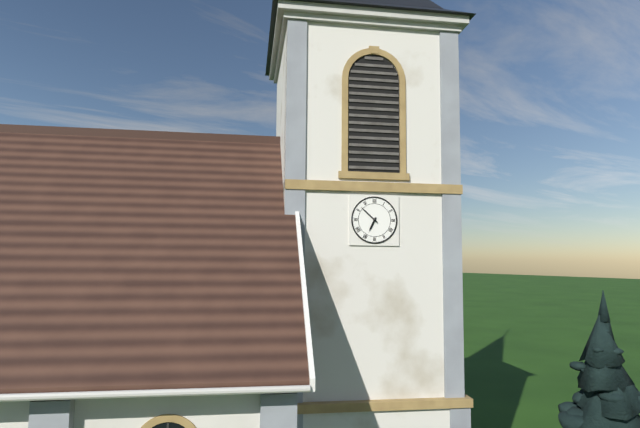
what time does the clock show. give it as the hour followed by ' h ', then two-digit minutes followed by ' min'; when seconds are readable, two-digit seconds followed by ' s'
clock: 6 h 52 min
